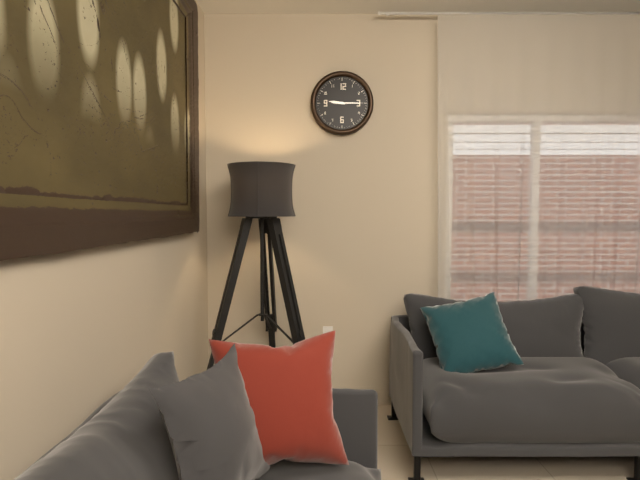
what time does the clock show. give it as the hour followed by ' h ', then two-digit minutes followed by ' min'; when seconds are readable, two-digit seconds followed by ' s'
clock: 9 h 15 min
